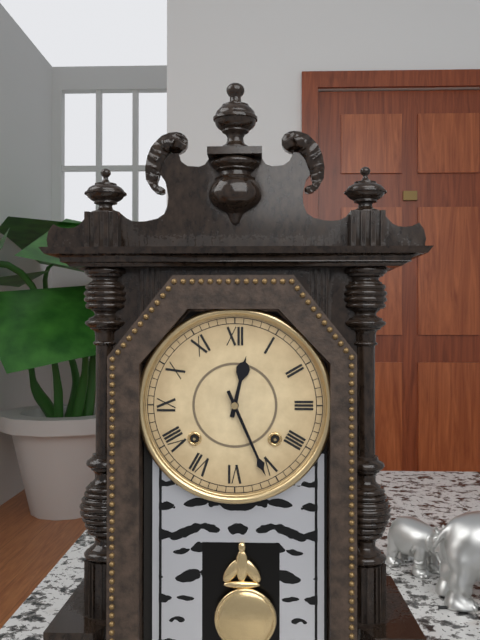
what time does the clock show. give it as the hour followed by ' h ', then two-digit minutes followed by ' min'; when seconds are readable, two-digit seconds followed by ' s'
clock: 12 h 26 min
